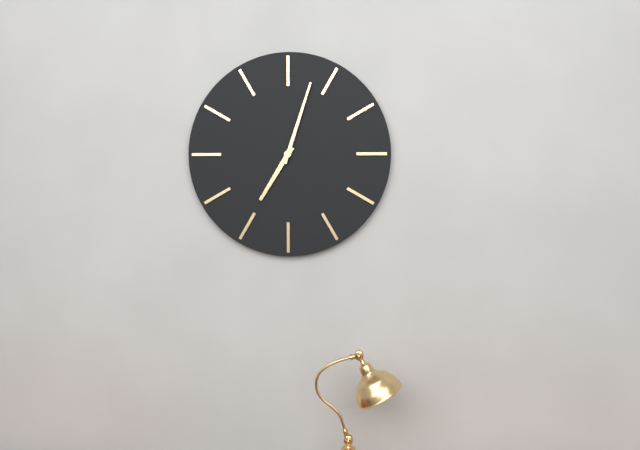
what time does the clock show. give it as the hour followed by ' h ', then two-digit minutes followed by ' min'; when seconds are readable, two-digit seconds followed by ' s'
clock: 7 h 03 min
